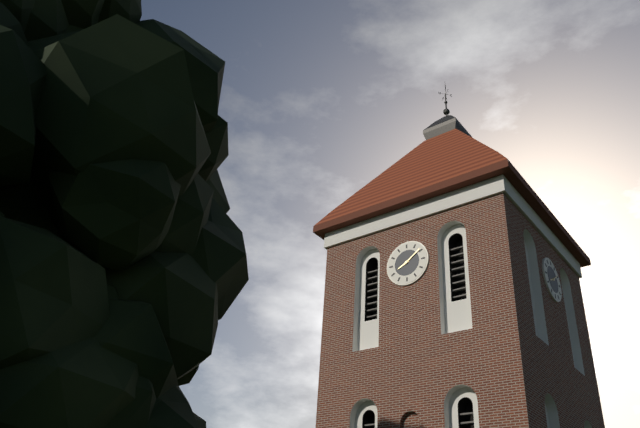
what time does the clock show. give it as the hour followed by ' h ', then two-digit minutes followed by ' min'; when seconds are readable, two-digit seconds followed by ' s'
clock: 8 h 09 min
